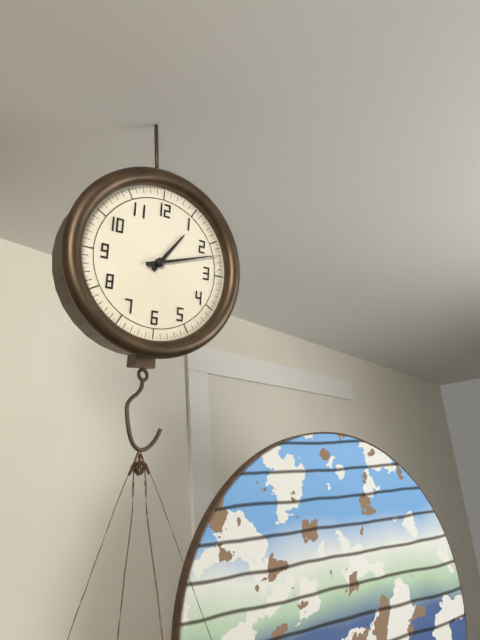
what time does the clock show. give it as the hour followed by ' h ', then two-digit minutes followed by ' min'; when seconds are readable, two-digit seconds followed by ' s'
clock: 1 h 12 min
